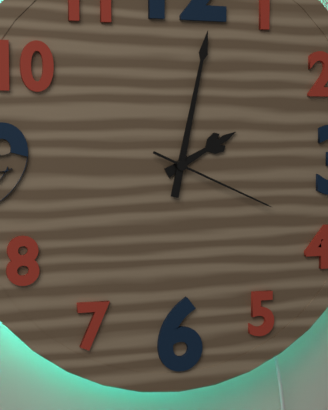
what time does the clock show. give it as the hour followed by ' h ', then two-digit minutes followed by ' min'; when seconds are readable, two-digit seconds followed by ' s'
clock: 2 h 02 min 19 s
